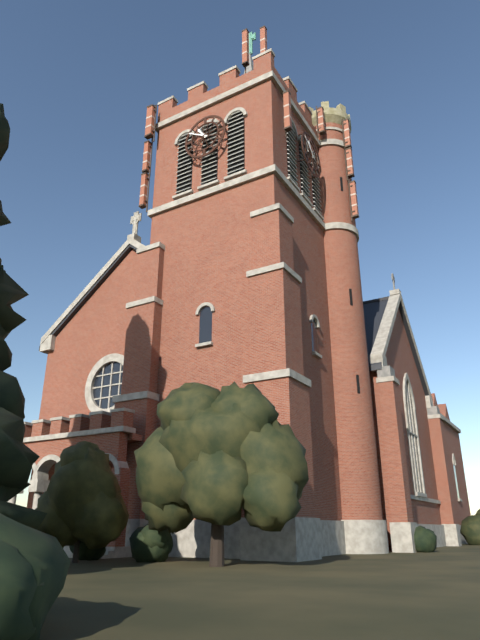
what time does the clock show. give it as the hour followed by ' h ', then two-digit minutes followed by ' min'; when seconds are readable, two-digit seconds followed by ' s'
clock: 10 h 50 min
